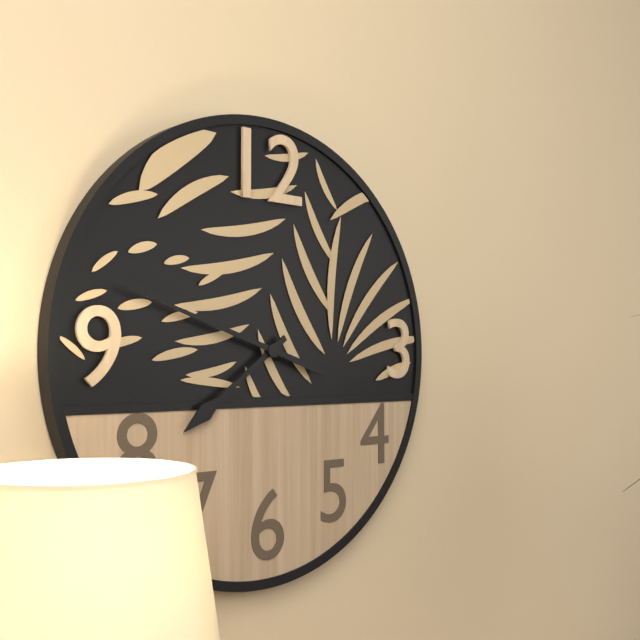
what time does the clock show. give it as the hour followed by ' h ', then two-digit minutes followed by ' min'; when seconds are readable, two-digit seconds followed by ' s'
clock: 7 h 48 min
